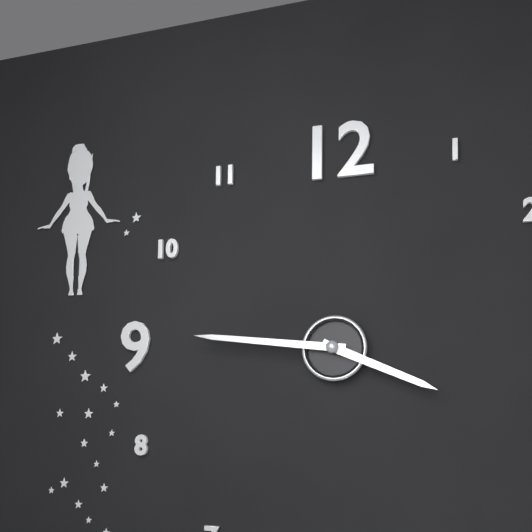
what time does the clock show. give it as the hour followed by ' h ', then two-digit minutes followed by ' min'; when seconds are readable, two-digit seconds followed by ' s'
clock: 3 h 46 min
